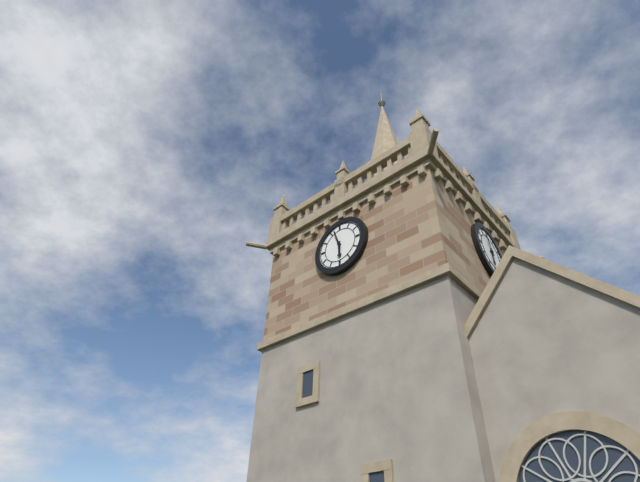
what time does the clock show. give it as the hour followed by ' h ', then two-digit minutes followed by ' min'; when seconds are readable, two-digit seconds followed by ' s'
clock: 5 h 57 min
